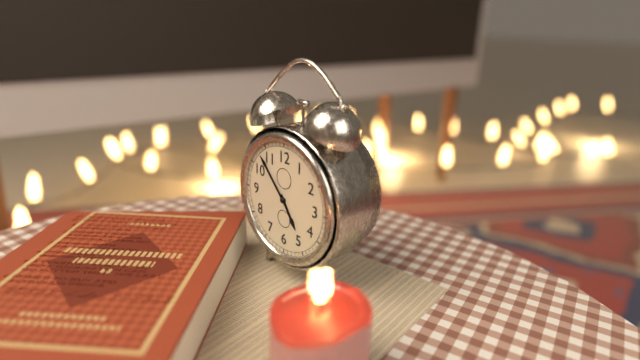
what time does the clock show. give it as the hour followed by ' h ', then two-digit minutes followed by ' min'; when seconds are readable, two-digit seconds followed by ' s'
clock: 4 h 53 min
